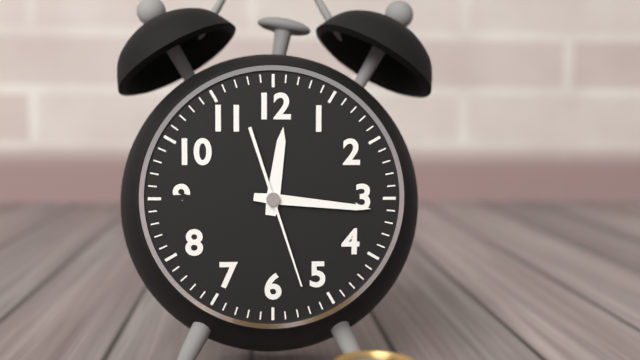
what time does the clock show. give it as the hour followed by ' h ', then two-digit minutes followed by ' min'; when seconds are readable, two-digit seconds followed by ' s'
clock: 12 h 16 min 27 s
